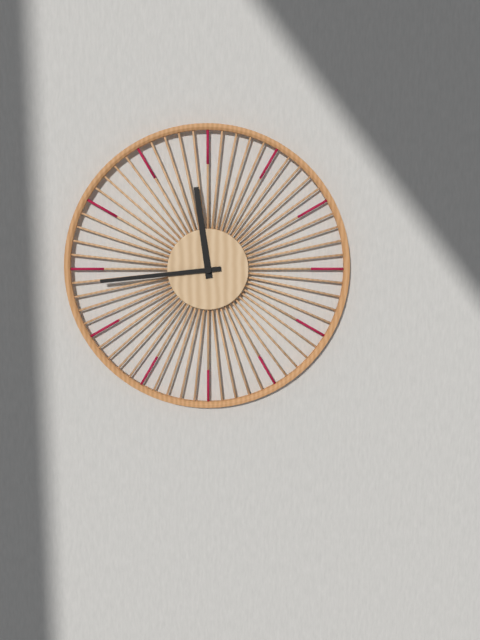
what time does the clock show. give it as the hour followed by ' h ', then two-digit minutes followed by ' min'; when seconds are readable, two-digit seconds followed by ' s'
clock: 11 h 44 min
